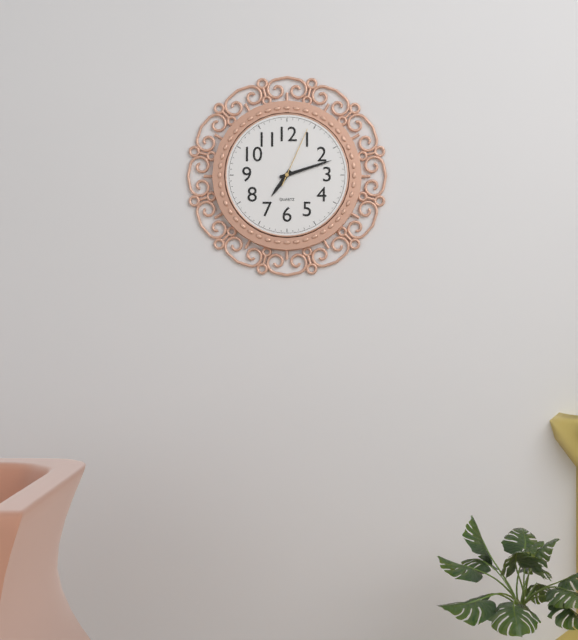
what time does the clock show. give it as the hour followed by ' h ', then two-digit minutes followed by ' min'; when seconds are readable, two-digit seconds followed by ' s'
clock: 7 h 12 min 04 s
